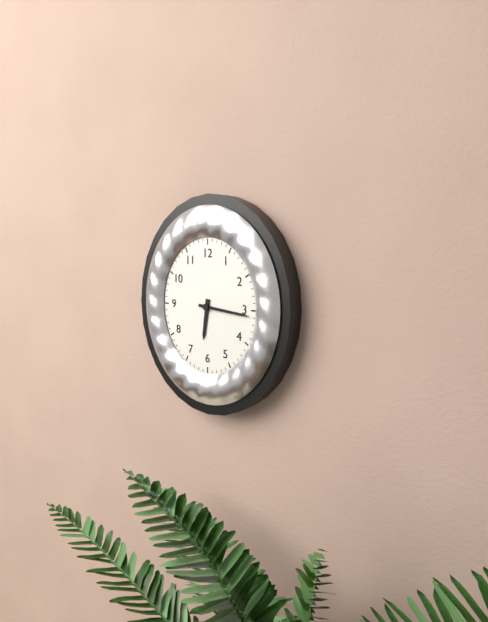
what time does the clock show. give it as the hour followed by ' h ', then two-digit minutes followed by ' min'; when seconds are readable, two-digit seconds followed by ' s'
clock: 6 h 16 min
